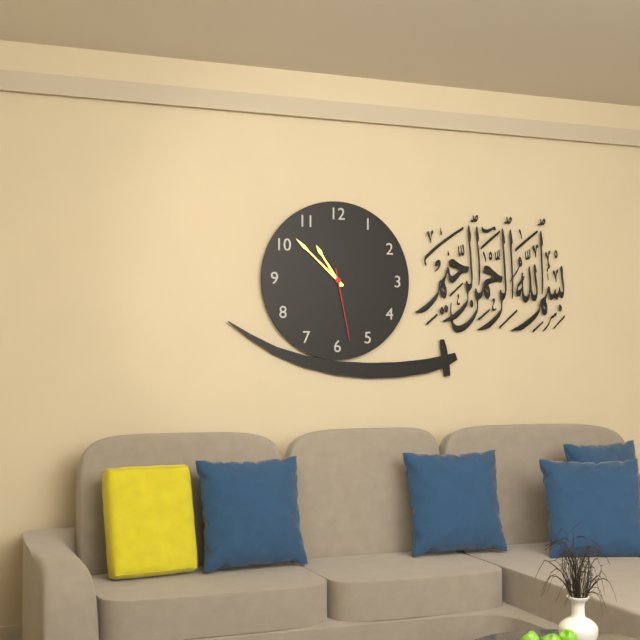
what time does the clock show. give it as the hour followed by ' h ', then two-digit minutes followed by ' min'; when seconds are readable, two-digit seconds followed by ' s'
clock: 10 h 52 min 28 s
